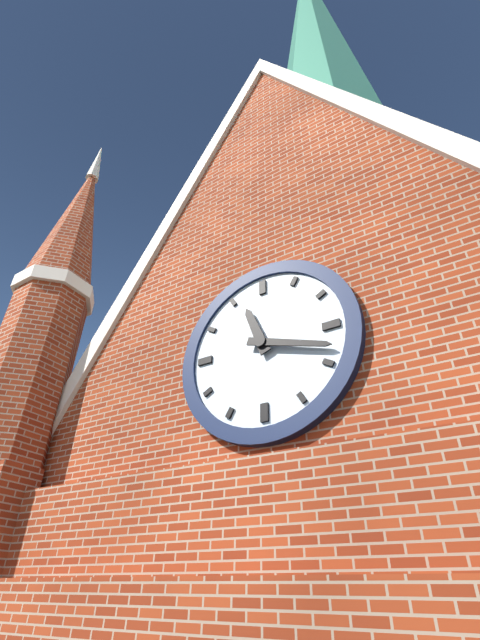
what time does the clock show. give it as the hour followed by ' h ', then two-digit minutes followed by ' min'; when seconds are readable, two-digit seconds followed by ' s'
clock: 11 h 18 min
